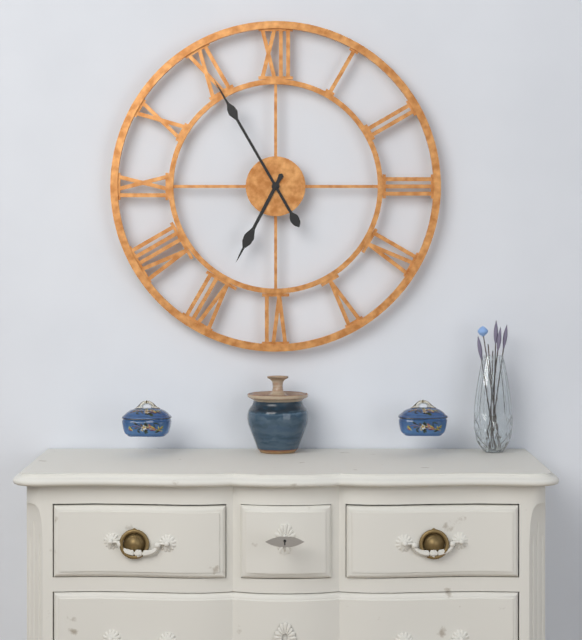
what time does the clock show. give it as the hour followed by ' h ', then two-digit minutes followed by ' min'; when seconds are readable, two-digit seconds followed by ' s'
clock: 6 h 55 min
